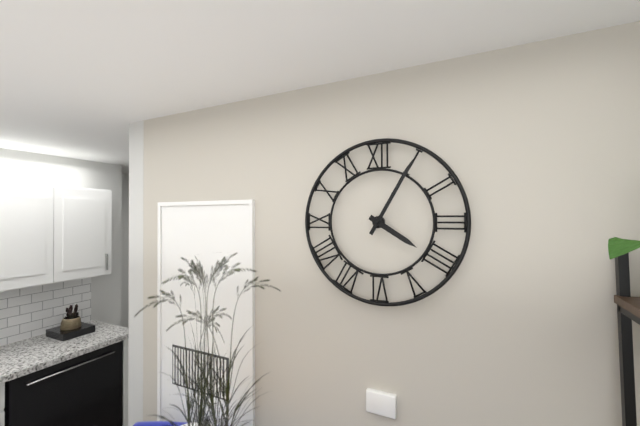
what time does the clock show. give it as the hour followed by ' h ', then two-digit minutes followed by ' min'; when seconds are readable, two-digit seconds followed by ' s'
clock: 4 h 05 min
